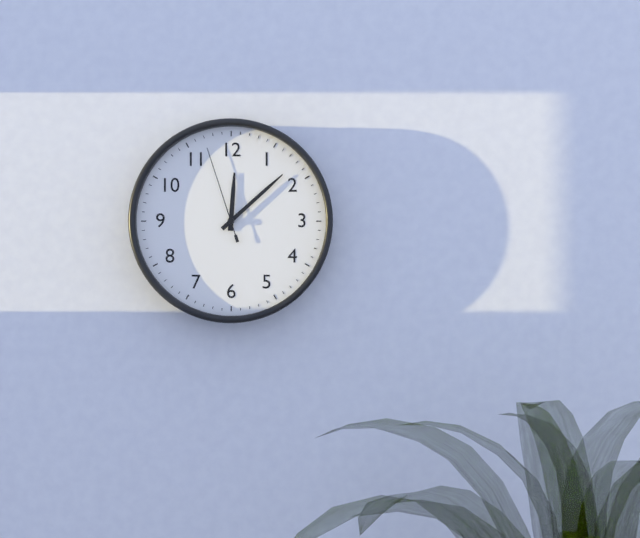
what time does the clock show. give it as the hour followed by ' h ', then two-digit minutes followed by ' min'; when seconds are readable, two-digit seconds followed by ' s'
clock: 12 h 08 min 57 s
